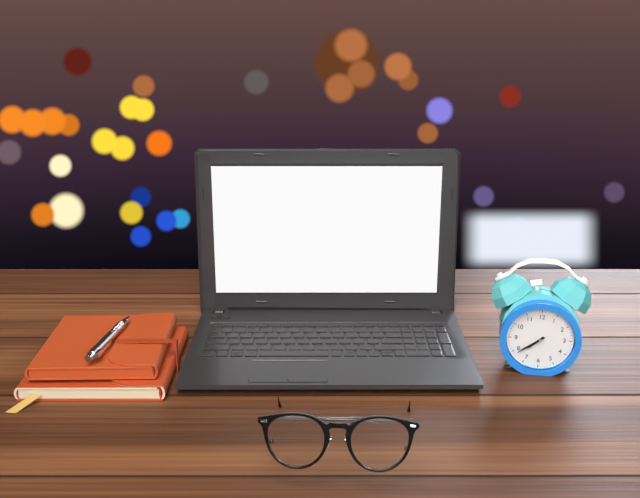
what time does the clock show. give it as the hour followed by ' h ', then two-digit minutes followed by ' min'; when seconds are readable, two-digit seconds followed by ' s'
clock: 7 h 39 min
